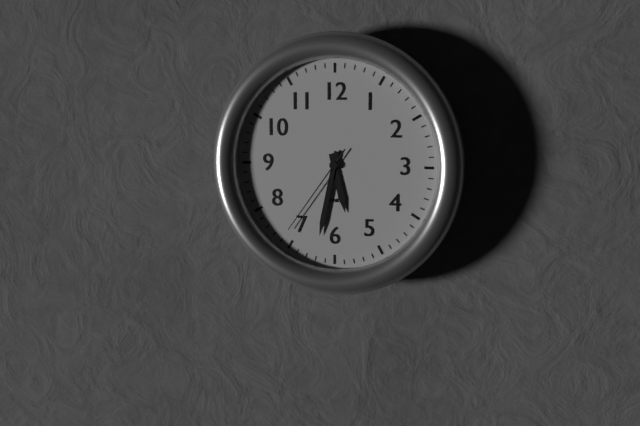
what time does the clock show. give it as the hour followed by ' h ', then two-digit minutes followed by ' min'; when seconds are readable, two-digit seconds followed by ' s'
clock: 5 h 32 min 36 s
